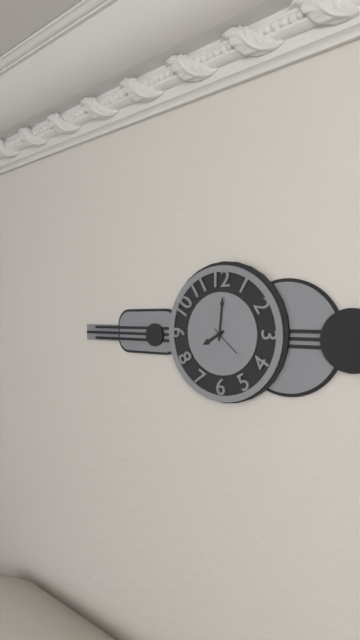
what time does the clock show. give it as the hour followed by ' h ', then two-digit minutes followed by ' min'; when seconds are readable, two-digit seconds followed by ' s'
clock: 8 h 01 min
